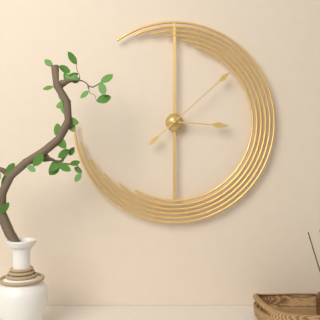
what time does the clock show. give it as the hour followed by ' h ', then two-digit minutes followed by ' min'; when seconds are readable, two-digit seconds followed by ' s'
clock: 3 h 08 min
